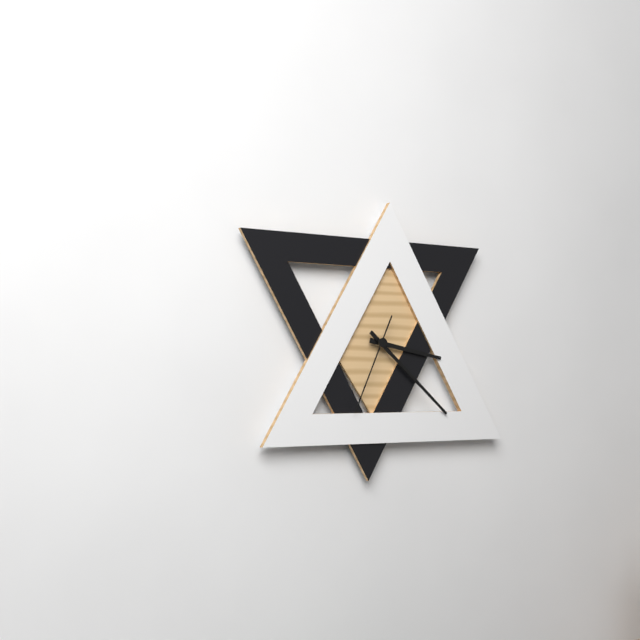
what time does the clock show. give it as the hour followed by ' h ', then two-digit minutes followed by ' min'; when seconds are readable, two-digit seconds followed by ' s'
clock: 3 h 22 min 34 s
